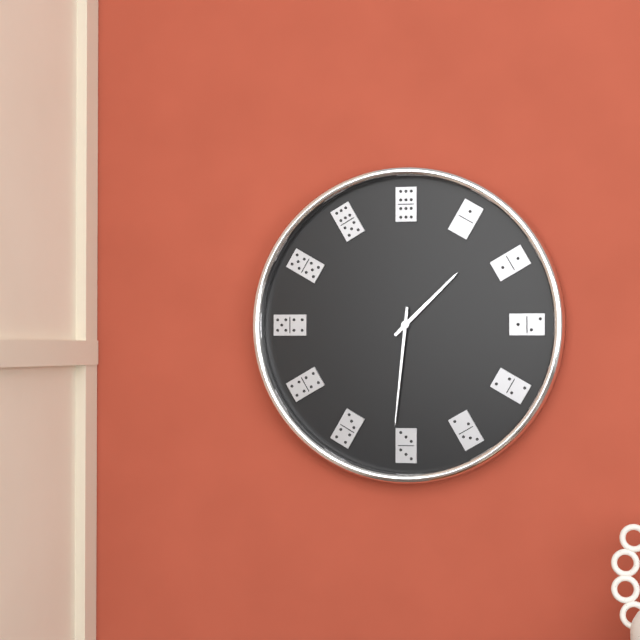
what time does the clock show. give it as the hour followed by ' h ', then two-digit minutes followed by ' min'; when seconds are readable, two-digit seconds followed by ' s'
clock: 1 h 31 min
